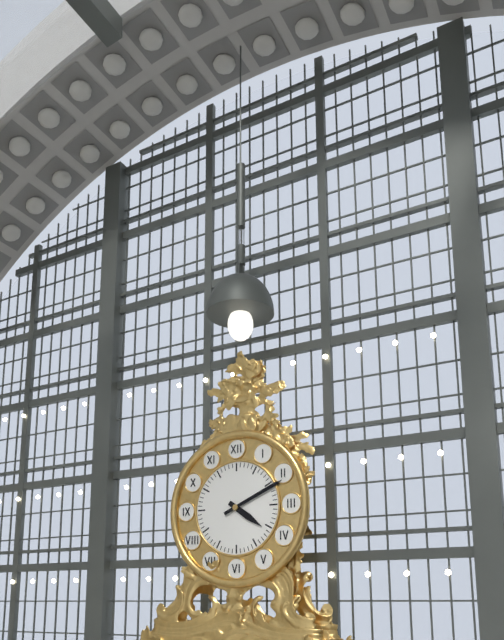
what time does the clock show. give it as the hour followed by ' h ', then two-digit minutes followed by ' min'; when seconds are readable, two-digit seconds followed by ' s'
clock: 4 h 11 min
